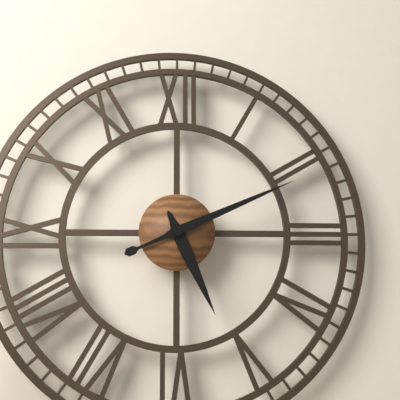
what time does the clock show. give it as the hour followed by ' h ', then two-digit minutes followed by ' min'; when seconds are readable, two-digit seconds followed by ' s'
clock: 5 h 11 min
